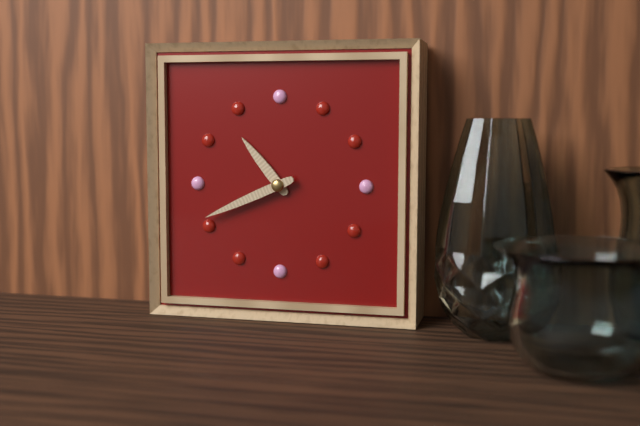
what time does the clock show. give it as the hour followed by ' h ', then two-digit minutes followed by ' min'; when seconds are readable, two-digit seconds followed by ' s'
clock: 10 h 41 min
